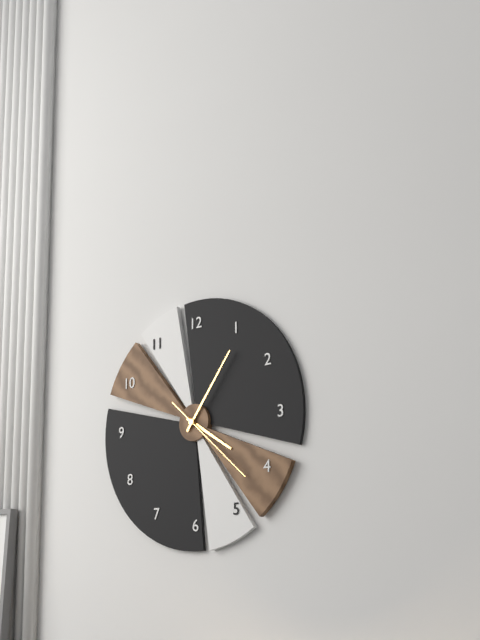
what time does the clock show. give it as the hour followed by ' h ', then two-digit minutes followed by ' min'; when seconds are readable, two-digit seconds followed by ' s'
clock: 4 h 06 min 22 s
